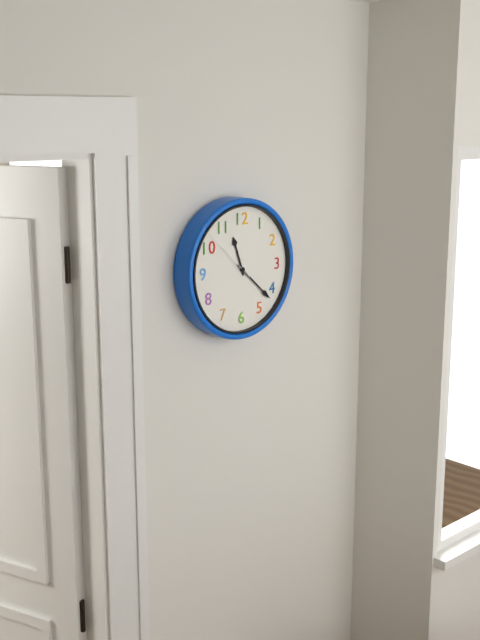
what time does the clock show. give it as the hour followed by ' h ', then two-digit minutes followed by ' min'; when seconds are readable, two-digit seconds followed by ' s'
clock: 11 h 22 min 52 s
